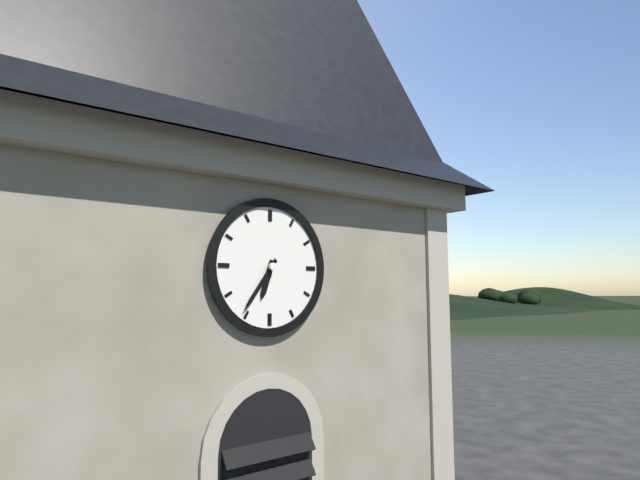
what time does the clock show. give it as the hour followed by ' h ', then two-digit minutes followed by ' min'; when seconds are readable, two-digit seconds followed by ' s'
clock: 6 h 36 min
